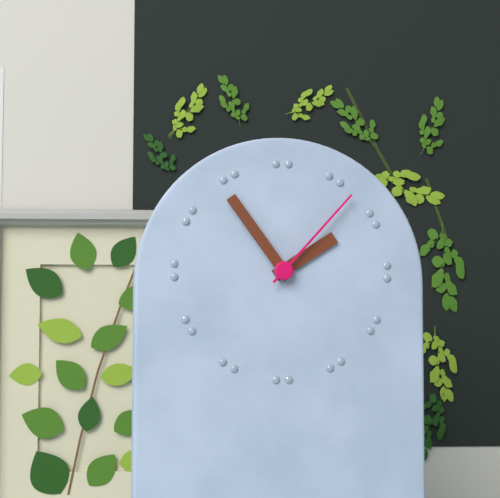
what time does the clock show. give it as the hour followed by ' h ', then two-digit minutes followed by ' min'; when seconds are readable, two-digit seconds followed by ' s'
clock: 1 h 54 min 07 s
